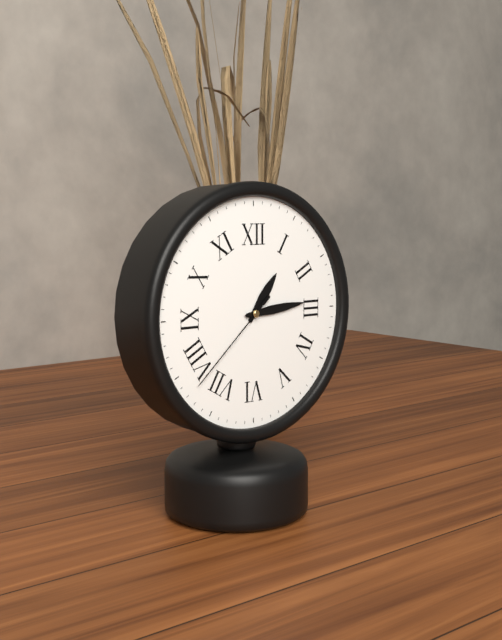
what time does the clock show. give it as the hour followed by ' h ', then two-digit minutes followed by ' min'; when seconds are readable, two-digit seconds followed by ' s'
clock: 1 h 14 min 38 s
